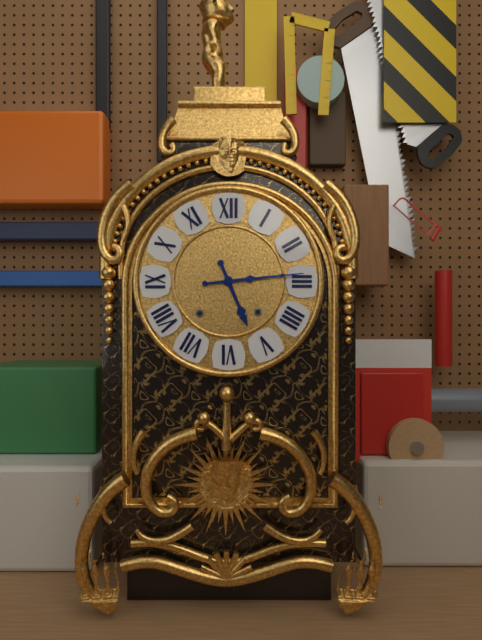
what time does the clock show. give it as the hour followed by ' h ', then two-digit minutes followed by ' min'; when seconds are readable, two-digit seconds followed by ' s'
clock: 5 h 14 min
